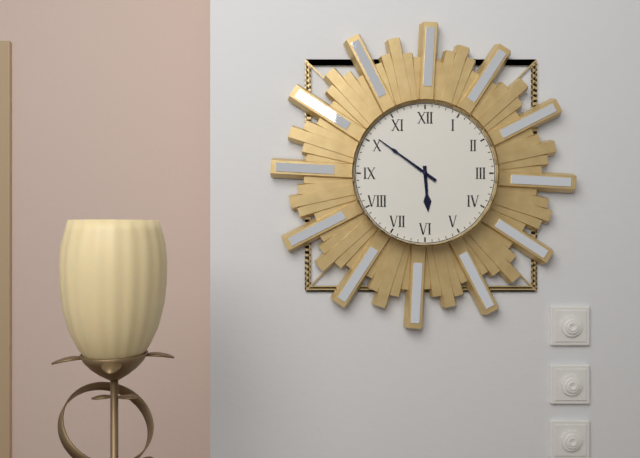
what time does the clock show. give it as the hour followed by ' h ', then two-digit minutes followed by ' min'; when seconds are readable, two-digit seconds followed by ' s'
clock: 5 h 51 min
